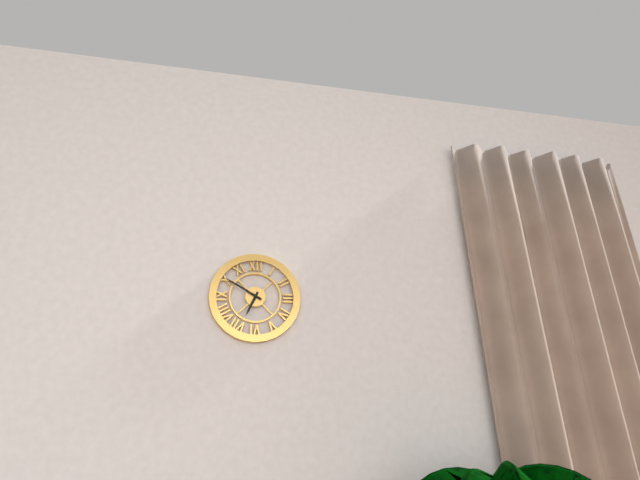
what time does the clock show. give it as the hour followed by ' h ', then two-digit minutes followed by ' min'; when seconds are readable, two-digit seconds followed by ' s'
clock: 6 h 50 min
